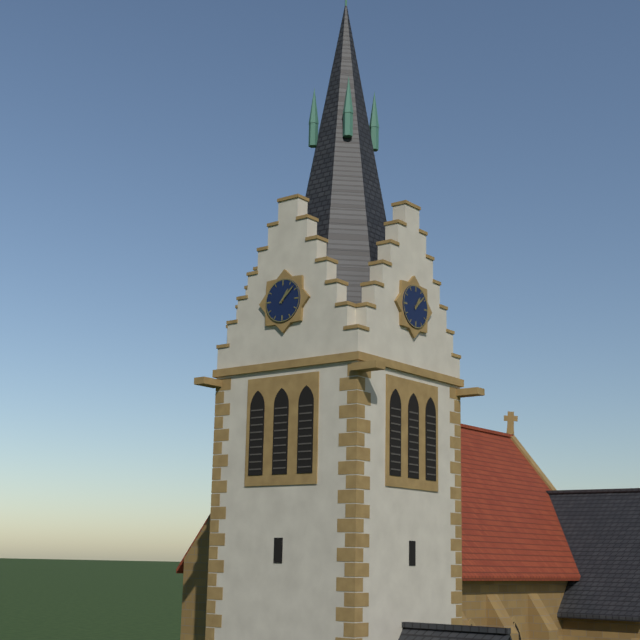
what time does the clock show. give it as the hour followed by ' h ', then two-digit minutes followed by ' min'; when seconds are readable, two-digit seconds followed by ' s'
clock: 1 h 08 min
